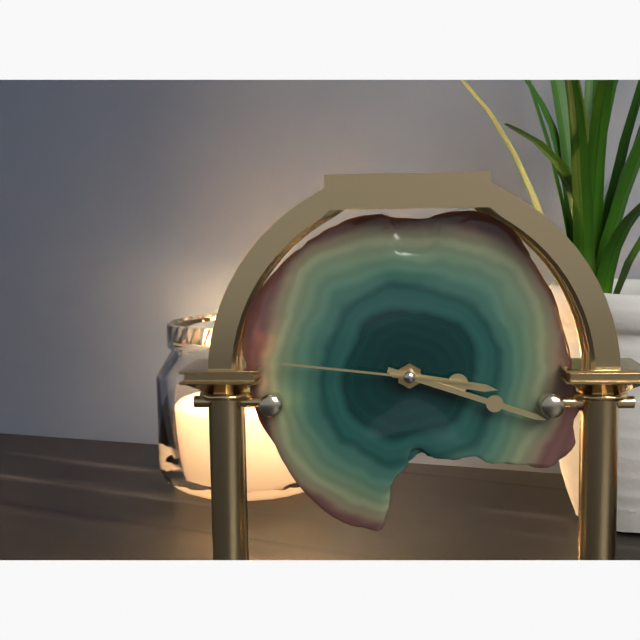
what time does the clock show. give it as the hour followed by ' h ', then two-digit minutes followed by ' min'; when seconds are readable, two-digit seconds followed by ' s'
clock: 3 h 18 min 46 s
